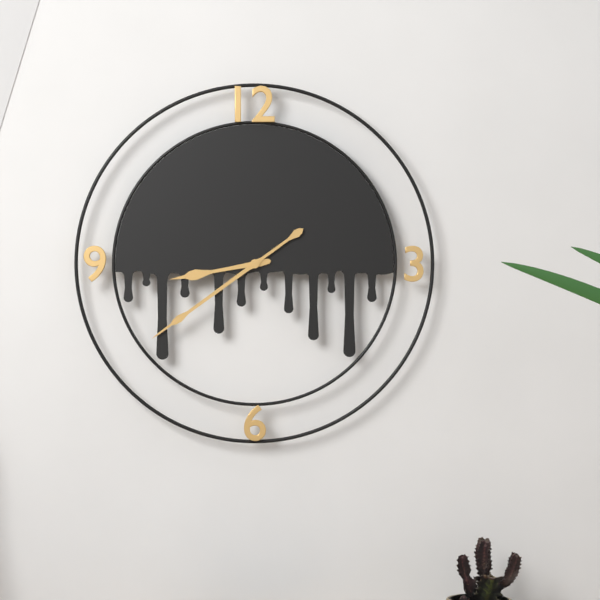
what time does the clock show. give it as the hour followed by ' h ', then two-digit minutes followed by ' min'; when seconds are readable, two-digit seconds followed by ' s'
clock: 8 h 39 min
